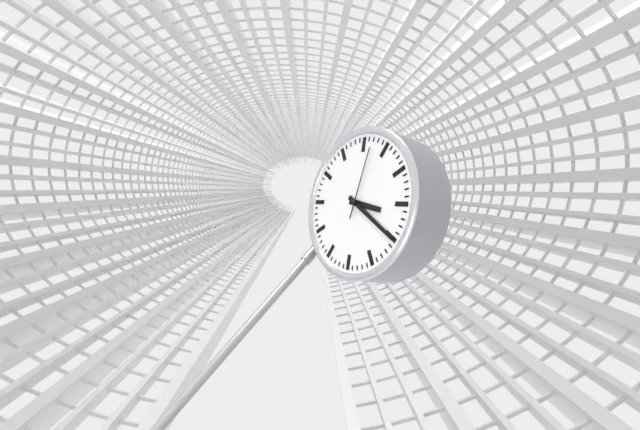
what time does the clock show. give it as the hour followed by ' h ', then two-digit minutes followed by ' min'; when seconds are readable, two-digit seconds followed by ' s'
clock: 3 h 20 min 02 s
